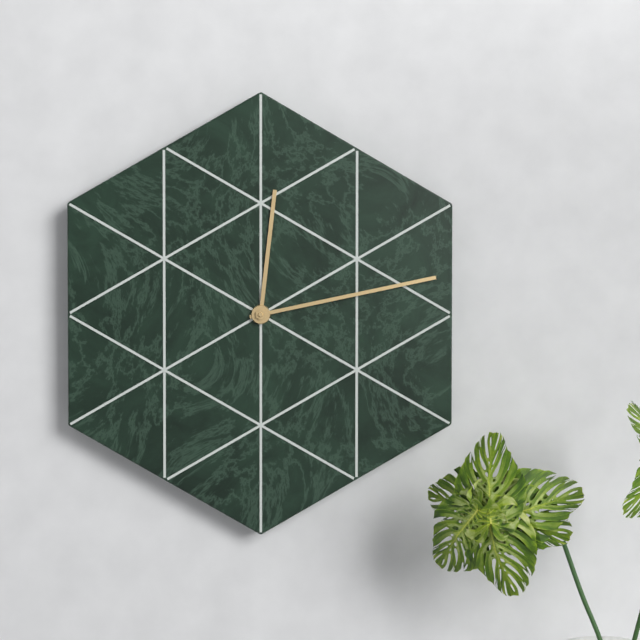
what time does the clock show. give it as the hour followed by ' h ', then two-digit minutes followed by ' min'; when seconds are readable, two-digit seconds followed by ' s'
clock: 12 h 13 min
